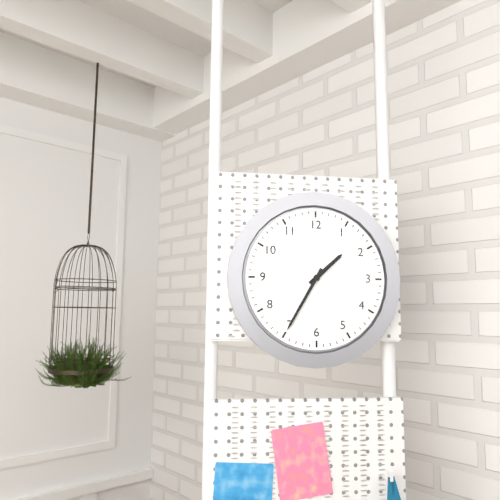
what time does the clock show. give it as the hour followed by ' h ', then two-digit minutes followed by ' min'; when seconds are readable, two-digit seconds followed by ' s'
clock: 1 h 35 min
